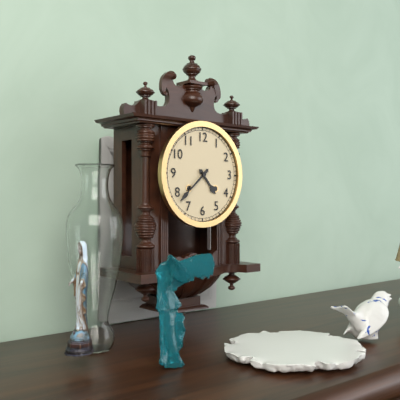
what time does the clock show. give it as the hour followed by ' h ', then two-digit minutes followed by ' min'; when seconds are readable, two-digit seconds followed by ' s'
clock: 4 h 38 min
